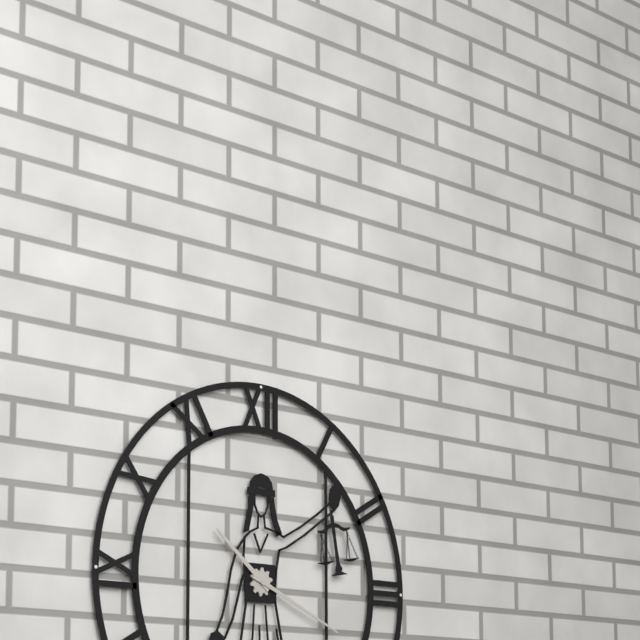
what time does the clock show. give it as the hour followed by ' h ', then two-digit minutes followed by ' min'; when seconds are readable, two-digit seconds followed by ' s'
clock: 10 h 19 min
